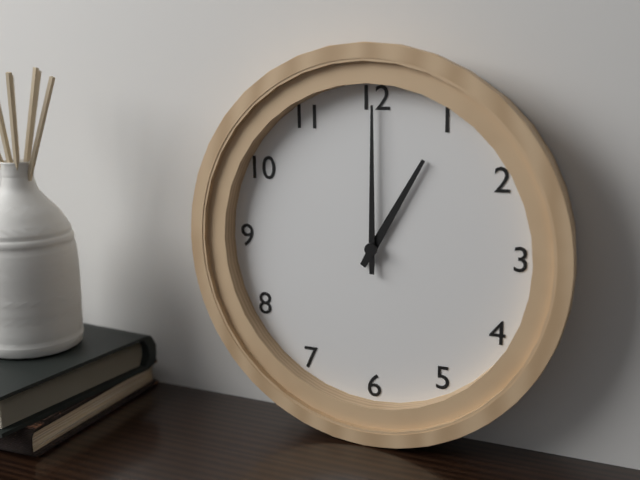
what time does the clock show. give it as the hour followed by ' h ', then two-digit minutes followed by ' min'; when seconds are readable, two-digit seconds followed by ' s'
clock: 1 h 00 min
